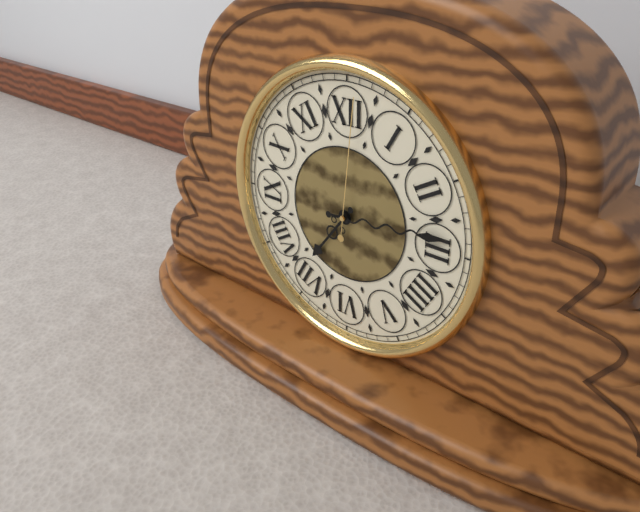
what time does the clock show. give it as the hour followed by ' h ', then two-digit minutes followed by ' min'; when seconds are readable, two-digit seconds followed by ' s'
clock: 7 h 14 min 01 s
